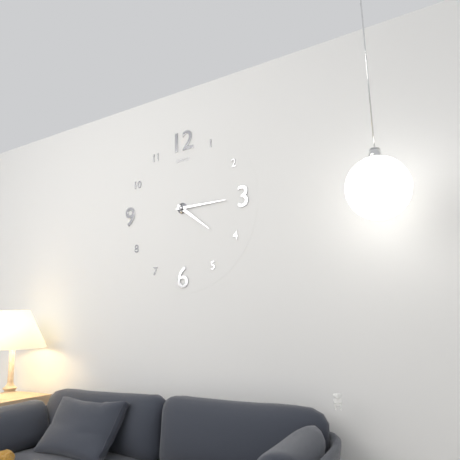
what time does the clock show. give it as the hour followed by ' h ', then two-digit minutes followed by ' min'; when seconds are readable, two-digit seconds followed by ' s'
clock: 4 h 15 min
